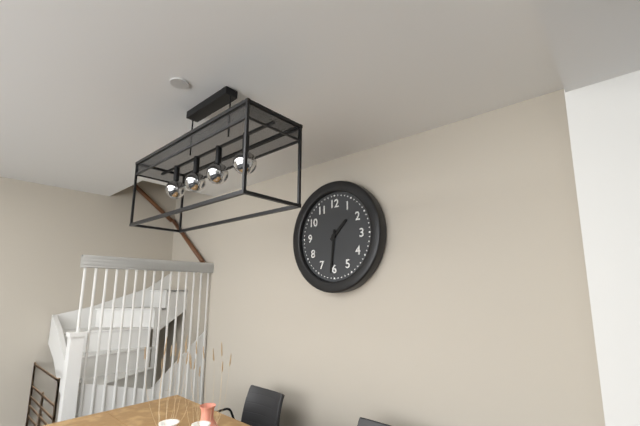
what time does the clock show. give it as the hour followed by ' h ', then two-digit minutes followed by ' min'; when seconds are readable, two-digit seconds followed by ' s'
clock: 1 h 31 min
